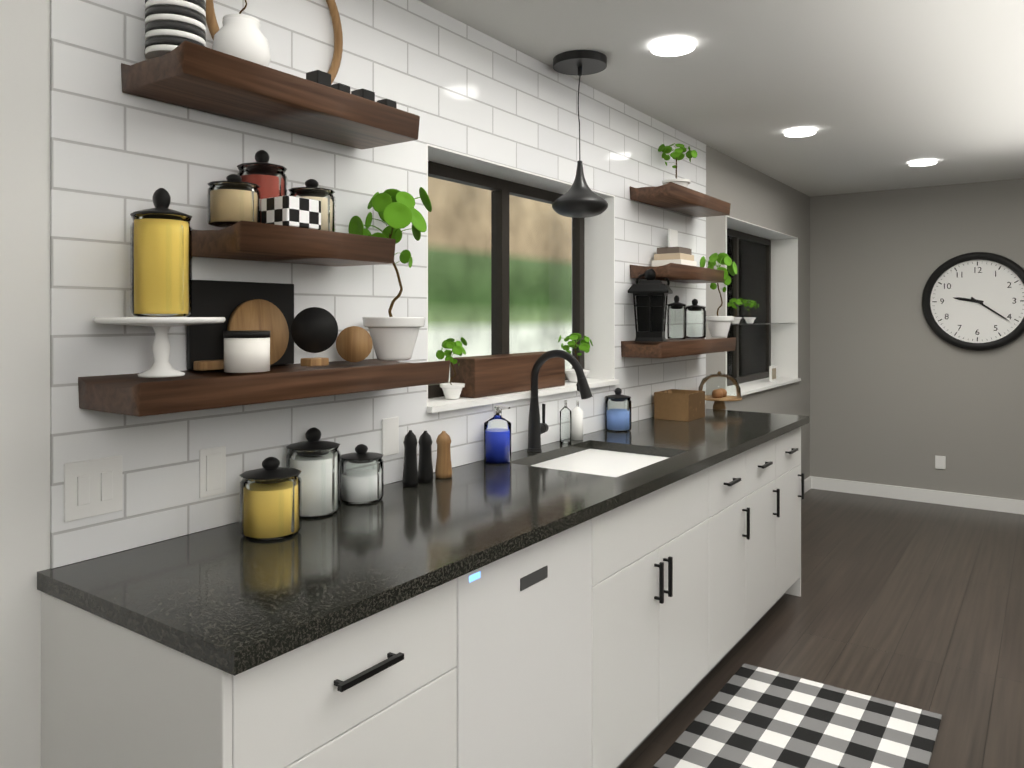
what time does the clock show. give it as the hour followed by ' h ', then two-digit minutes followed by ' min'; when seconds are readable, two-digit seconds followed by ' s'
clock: 9 h 21 min
